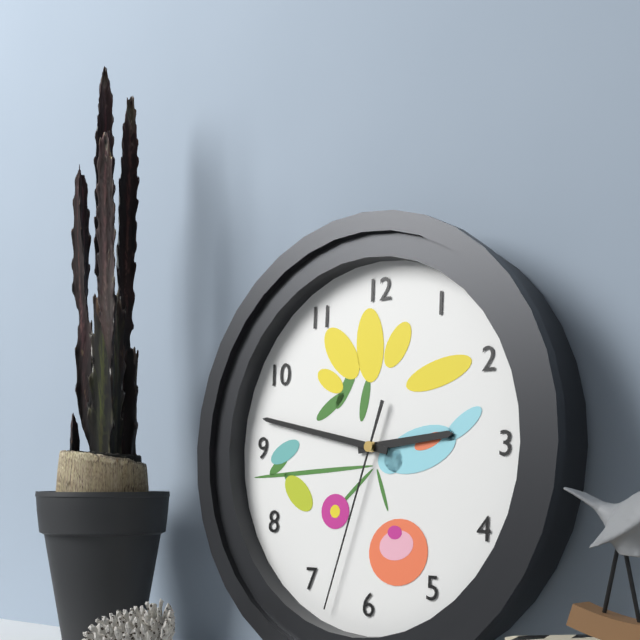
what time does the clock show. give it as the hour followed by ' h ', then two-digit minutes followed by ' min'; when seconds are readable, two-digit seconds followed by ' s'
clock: 2 h 47 min 33 s
